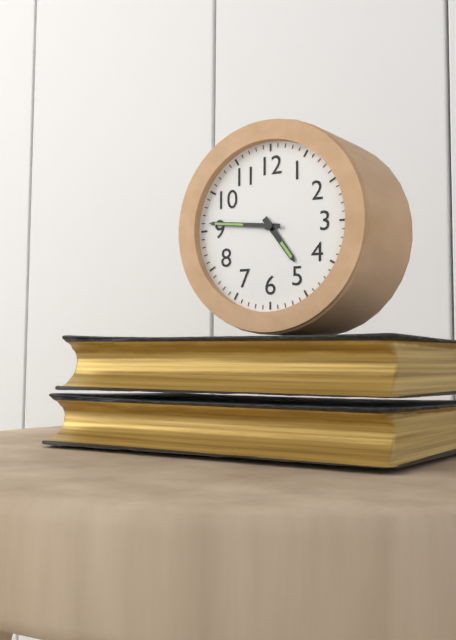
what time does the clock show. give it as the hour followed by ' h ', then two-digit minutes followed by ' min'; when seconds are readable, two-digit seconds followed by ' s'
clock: 4 h 46 min
